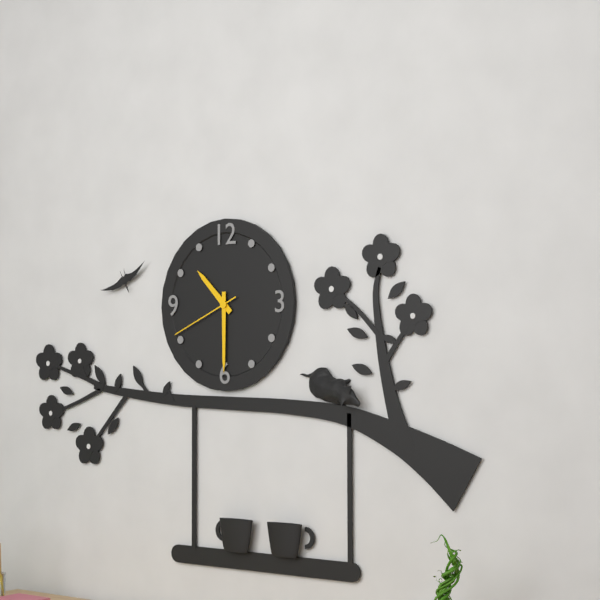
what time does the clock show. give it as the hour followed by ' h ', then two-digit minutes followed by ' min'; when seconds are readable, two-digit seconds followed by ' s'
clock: 10 h 30 min 41 s
